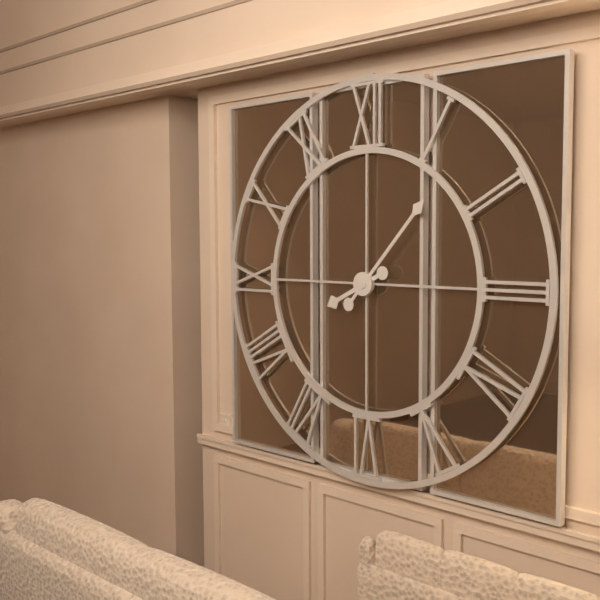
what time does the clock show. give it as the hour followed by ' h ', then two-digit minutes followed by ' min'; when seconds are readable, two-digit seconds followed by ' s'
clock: 8 h 07 min
